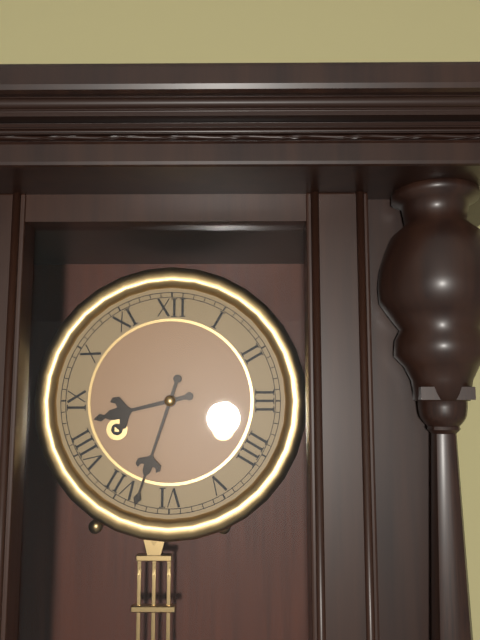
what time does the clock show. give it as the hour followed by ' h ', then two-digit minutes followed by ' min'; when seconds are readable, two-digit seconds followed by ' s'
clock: 8 h 33 min
